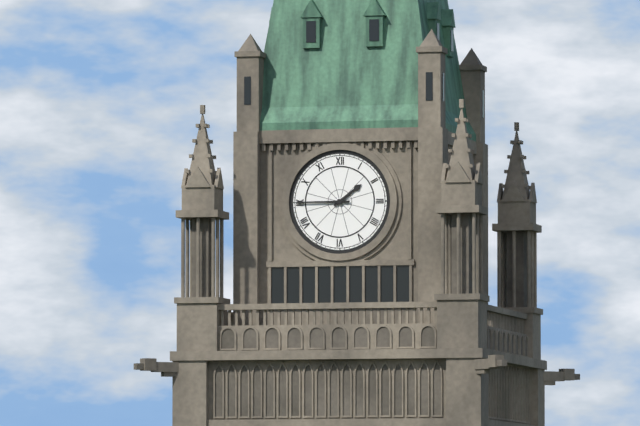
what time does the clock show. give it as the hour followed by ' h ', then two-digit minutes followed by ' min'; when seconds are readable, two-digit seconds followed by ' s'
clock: 1 h 45 min
